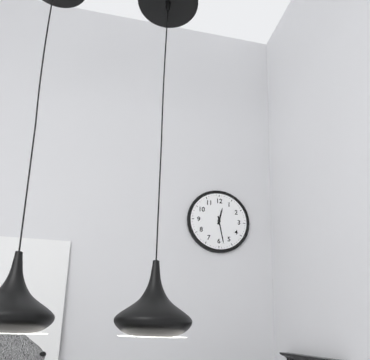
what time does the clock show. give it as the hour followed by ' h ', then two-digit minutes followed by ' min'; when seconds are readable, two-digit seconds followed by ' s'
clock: 12 h 28 min
